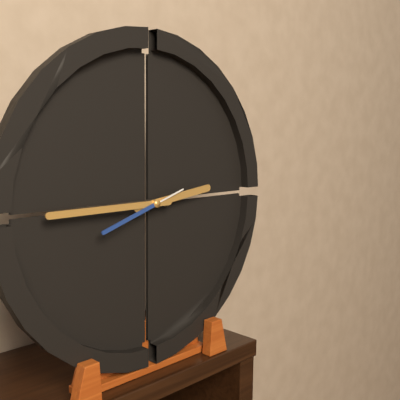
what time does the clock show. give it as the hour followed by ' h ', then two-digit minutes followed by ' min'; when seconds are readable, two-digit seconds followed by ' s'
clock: 2 h 45 min 42 s
